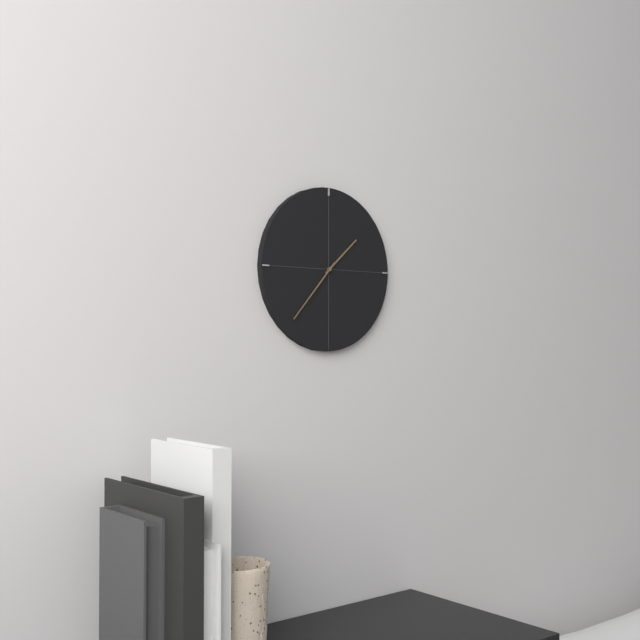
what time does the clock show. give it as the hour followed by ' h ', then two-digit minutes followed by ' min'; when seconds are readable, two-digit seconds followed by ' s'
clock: 1 h 37 min
